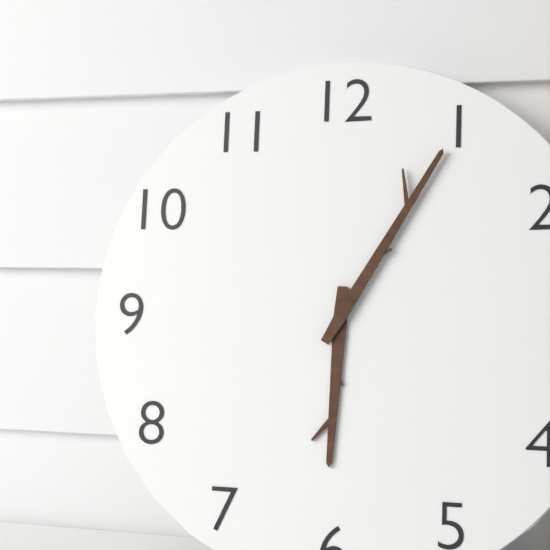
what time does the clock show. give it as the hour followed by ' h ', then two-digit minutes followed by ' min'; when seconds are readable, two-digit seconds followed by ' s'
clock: 6 h 05 min
